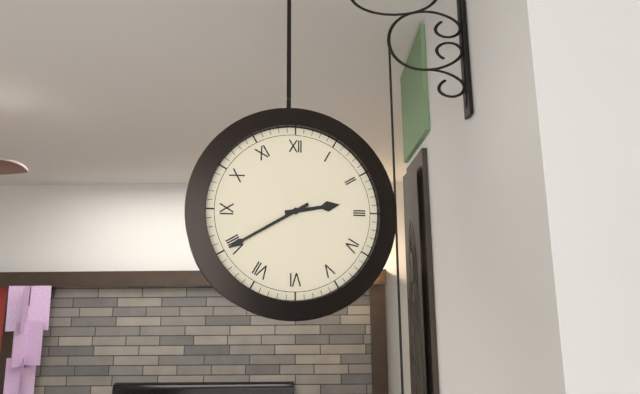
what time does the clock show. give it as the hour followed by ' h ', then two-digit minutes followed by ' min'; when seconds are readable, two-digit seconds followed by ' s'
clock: 2 h 40 min
